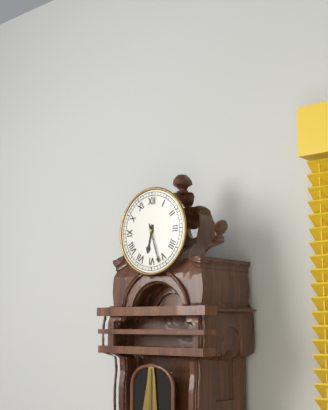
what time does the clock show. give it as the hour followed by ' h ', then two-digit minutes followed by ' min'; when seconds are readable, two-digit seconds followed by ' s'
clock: 6 h 27 min
